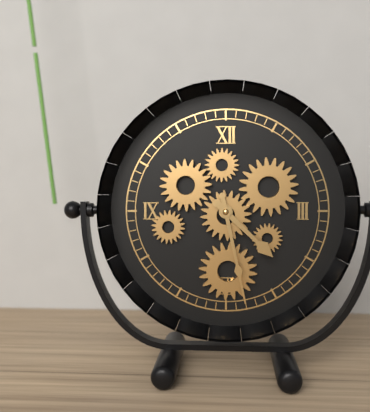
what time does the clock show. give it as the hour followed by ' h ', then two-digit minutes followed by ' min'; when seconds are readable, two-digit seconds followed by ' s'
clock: 4 h 28 min
